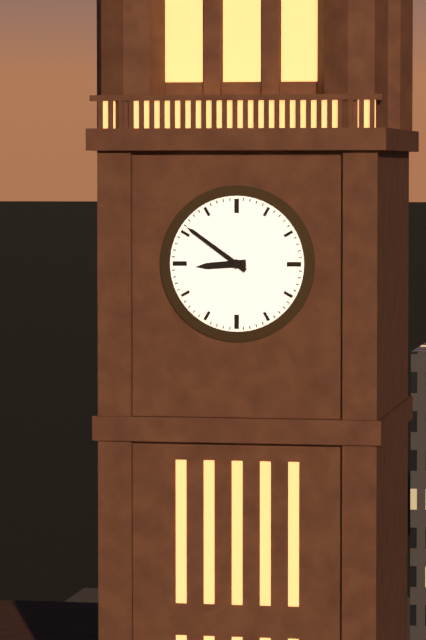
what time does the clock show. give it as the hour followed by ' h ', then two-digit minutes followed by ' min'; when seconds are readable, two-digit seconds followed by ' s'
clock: 8 h 51 min
